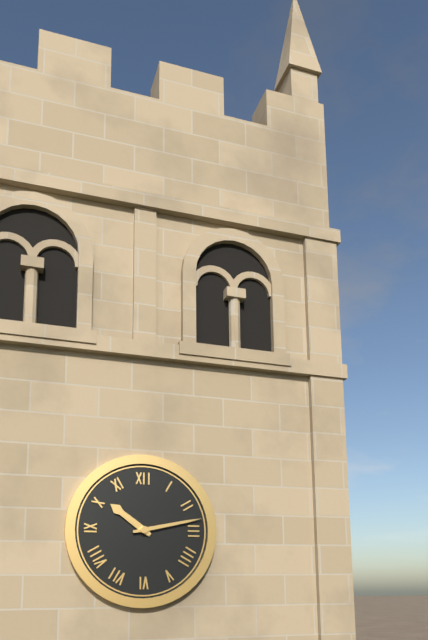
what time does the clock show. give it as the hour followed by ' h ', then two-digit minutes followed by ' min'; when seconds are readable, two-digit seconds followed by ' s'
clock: 10 h 13 min
